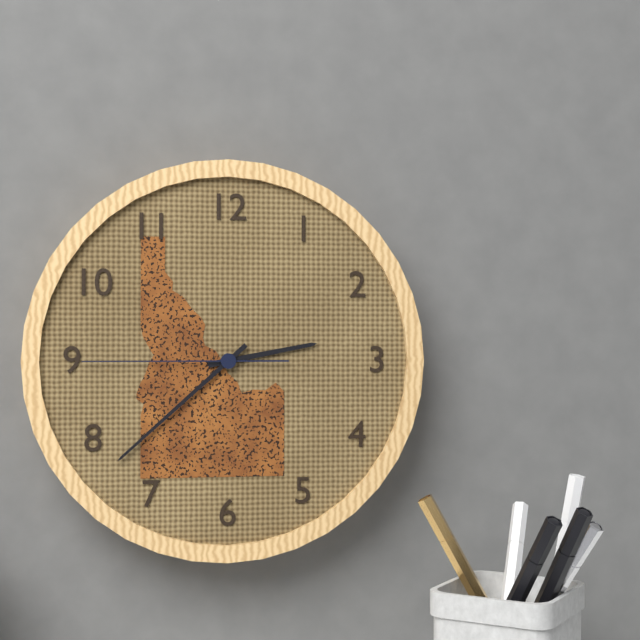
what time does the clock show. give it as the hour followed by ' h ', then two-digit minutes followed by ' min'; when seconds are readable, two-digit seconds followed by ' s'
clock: 2 h 38 min 45 s
